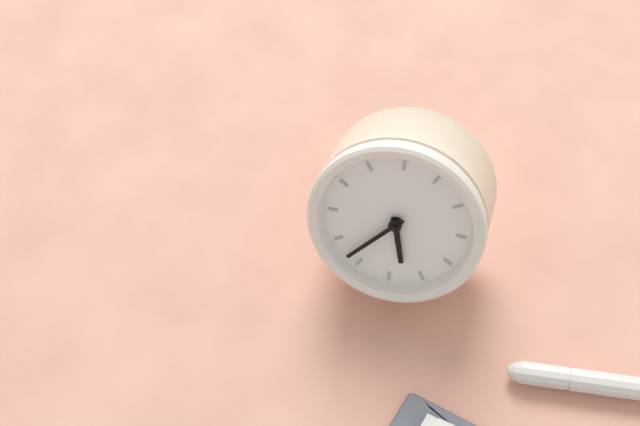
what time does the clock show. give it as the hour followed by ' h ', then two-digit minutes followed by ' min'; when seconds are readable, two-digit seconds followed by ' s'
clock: 4 h 32 min
